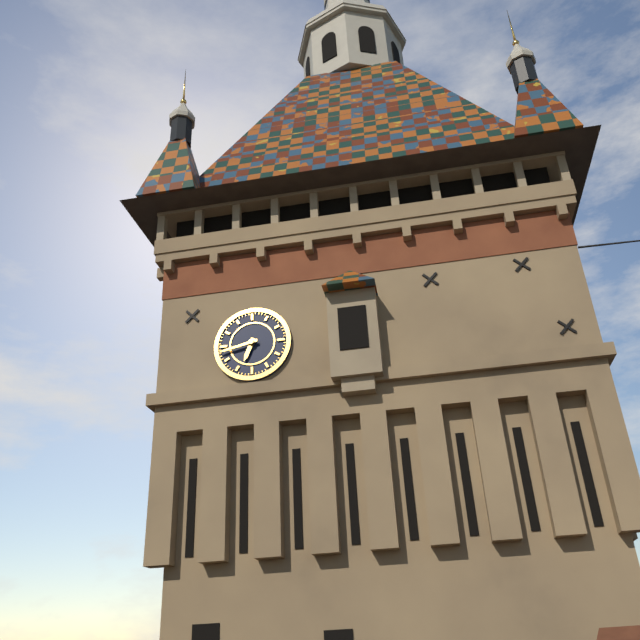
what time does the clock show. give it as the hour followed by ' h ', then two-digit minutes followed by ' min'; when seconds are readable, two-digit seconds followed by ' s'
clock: 6 h 43 min
